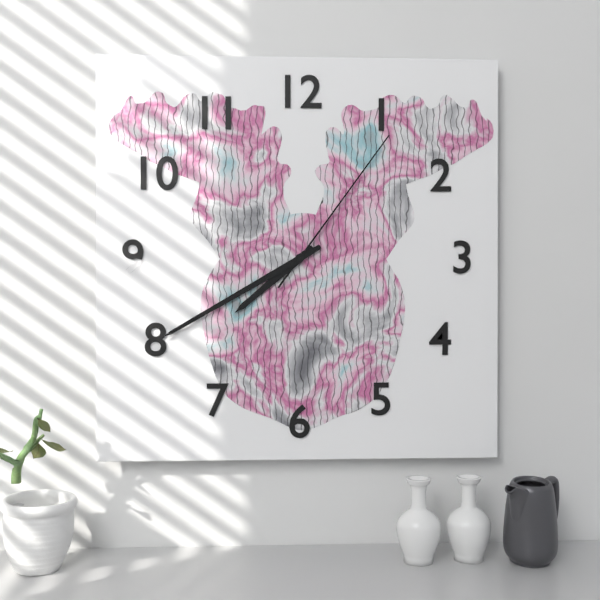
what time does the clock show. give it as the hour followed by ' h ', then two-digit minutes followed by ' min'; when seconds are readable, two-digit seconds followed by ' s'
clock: 7 h 40 min 06 s
